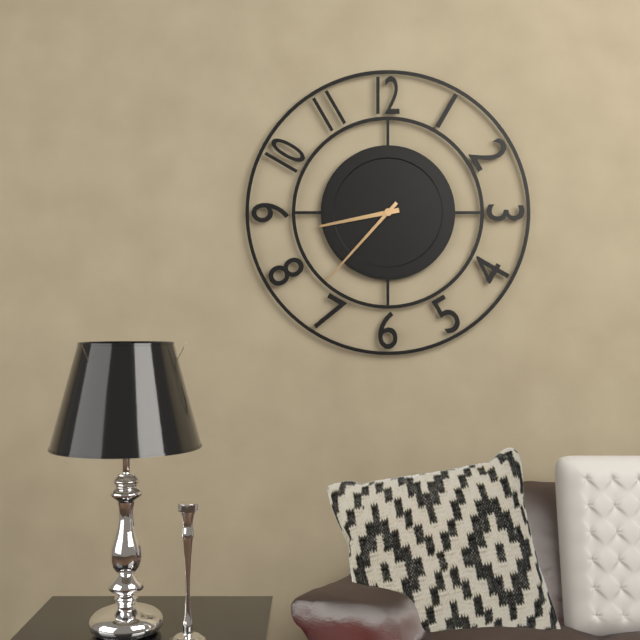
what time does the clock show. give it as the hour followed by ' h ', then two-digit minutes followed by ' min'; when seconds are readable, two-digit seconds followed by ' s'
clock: 8 h 37 min
